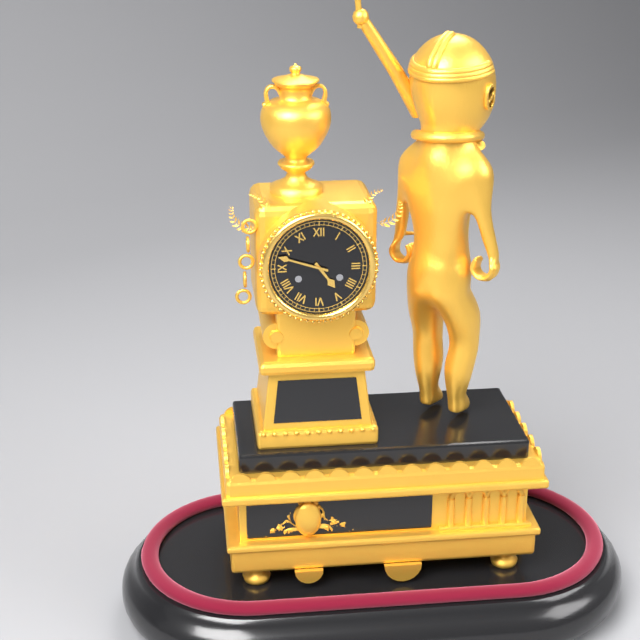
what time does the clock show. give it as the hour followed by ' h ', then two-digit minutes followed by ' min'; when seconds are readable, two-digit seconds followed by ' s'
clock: 4 h 48 min
